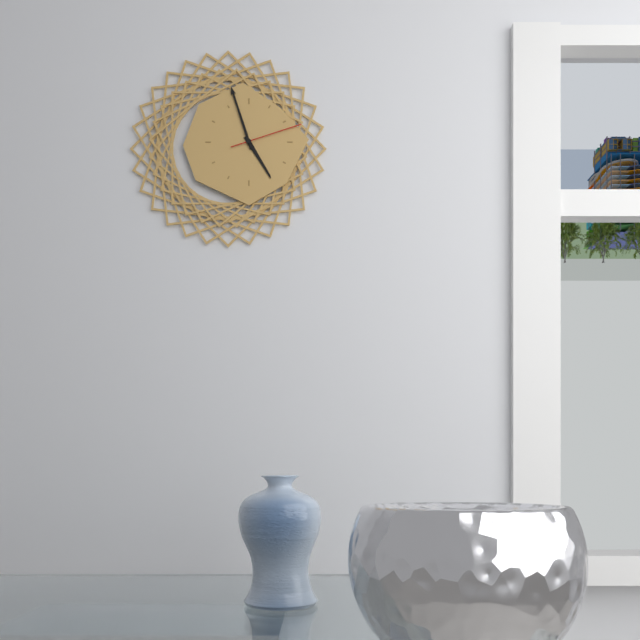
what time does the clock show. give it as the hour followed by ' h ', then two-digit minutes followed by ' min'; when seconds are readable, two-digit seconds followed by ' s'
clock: 4 h 57 min 12 s
